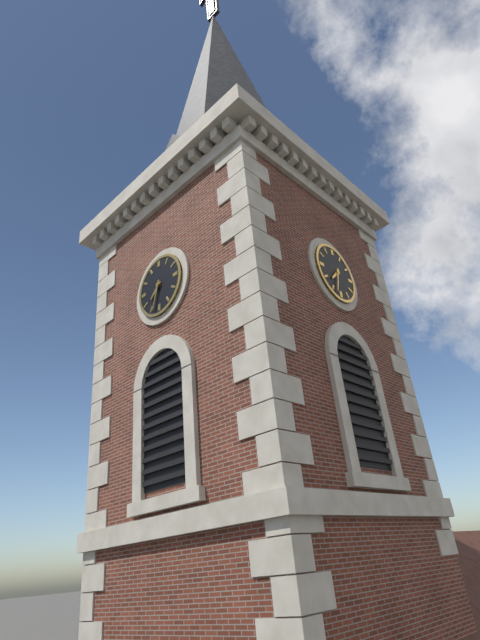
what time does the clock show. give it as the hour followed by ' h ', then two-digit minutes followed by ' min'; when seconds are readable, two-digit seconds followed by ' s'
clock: 7 h 33 min
